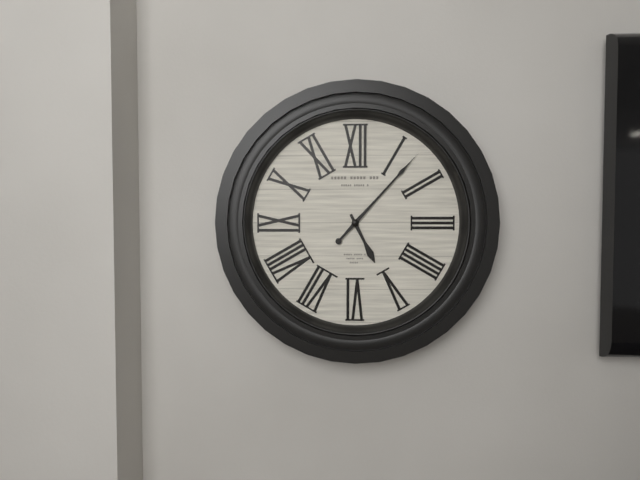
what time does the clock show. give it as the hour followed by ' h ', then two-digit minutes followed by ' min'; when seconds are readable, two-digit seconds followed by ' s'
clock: 5 h 07 min
